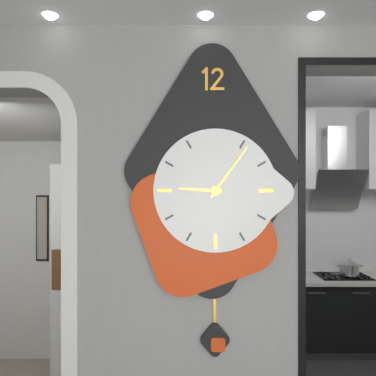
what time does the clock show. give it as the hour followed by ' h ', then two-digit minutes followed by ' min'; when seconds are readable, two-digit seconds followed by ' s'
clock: 9 h 06 min
